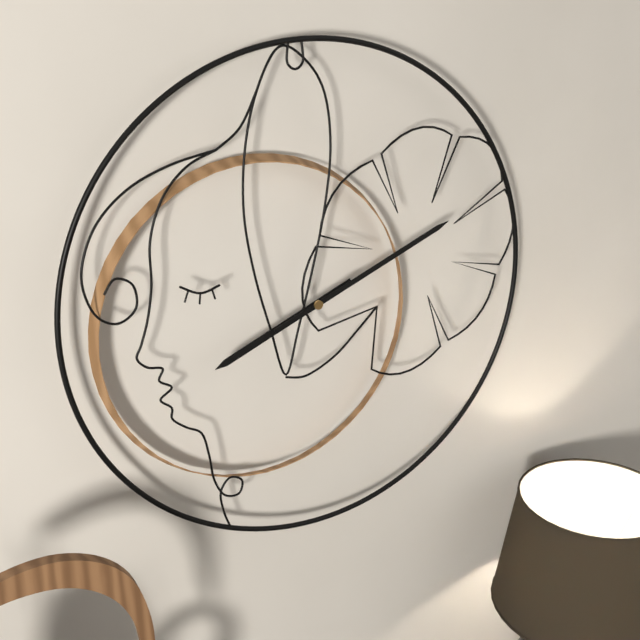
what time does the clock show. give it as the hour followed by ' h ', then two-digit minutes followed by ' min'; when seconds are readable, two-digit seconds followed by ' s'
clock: 8 h 11 min
